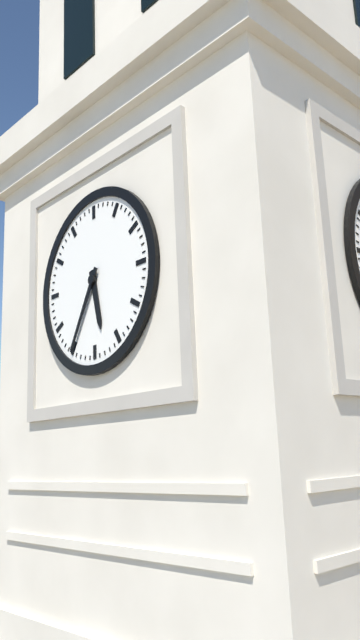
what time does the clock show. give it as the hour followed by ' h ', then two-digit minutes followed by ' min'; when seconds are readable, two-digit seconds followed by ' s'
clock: 5 h 35 min
